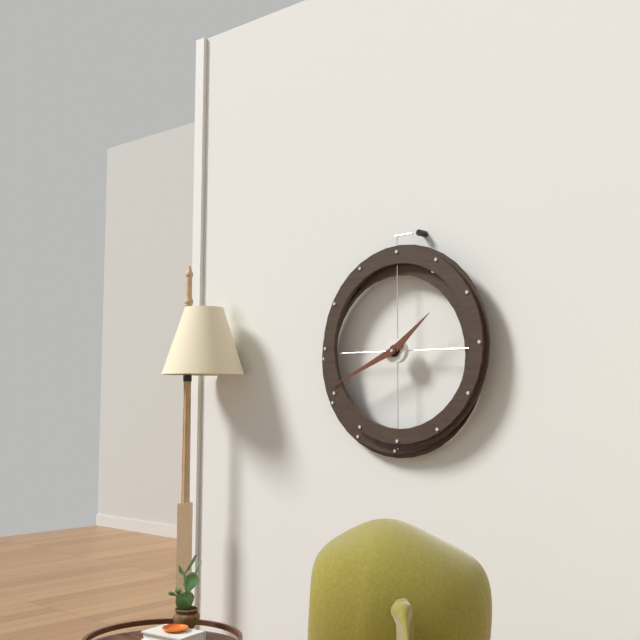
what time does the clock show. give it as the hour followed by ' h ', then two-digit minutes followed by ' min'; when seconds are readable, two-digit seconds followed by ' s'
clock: 1 h 41 min
